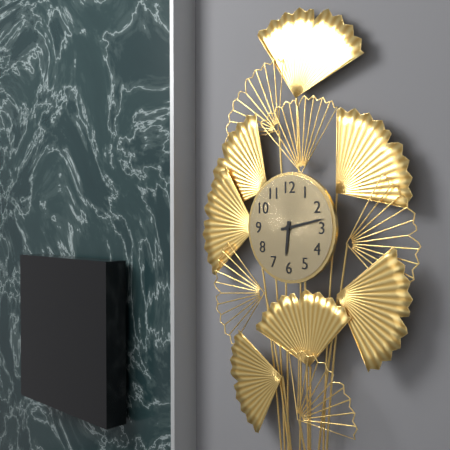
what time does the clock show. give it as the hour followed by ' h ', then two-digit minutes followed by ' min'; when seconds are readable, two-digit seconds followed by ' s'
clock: 6 h 13 min
